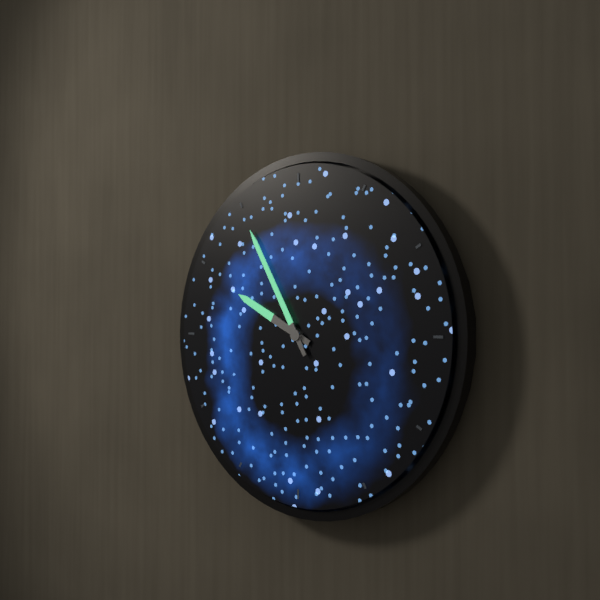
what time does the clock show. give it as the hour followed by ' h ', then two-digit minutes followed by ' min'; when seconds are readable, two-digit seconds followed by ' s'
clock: 9 h 55 min
